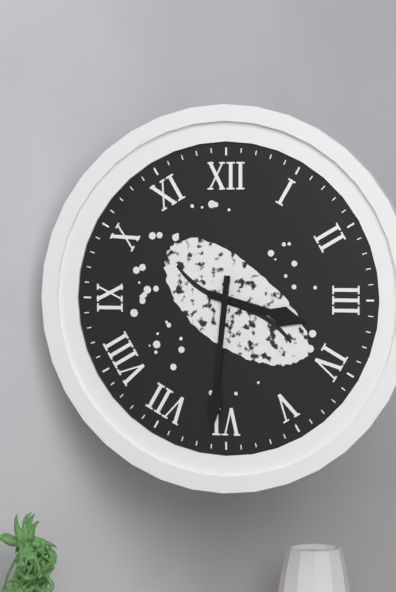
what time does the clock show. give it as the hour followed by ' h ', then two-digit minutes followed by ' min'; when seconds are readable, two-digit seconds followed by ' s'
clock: 3 h 31 min
